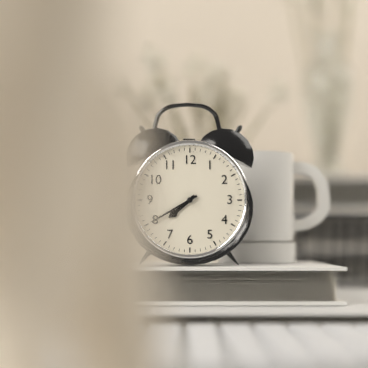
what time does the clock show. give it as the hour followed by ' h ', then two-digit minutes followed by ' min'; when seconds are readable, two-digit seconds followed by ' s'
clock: 7 h 40 min
